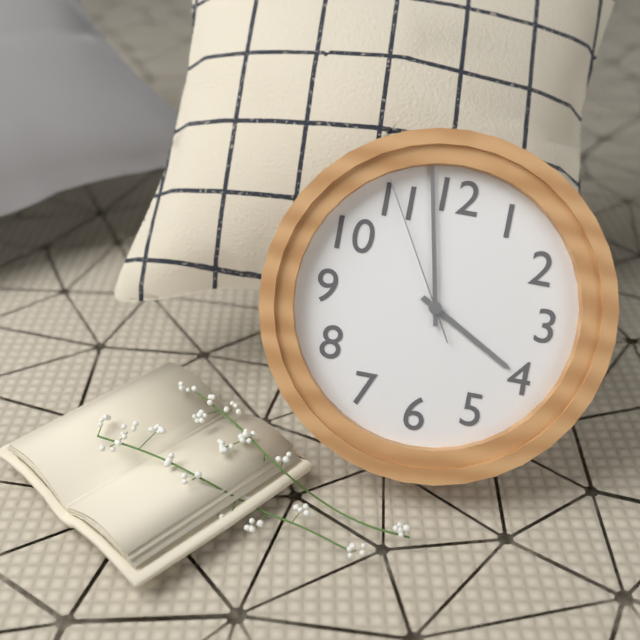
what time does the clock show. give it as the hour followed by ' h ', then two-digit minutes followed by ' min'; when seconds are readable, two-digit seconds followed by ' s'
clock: 3 h 58 min 55 s
